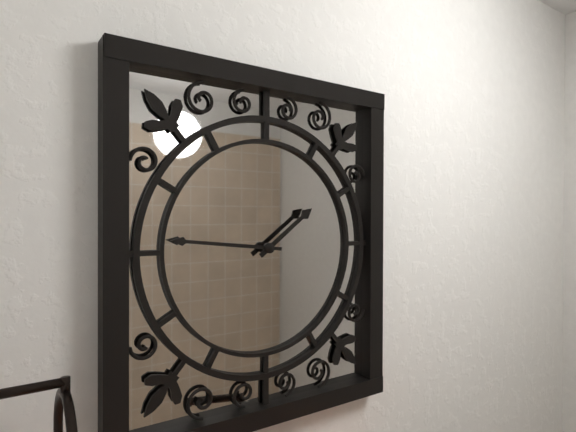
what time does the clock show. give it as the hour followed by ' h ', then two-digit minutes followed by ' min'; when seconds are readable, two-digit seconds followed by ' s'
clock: 1 h 46 min
